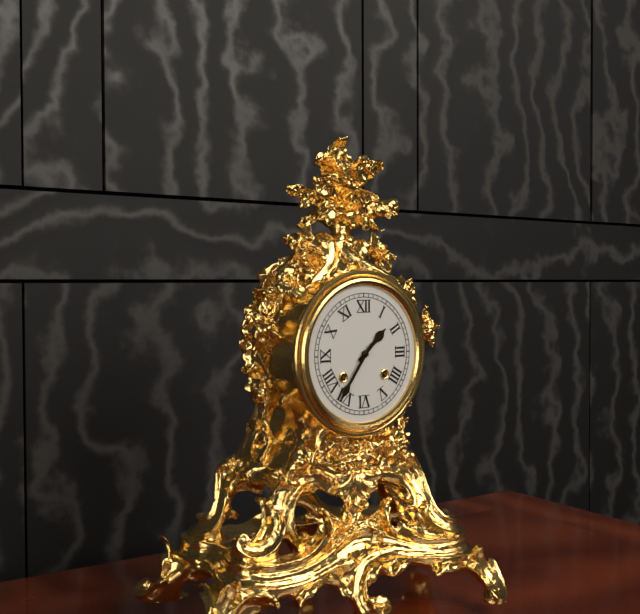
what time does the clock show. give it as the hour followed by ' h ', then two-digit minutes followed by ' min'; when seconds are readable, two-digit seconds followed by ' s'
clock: 1 h 36 min
